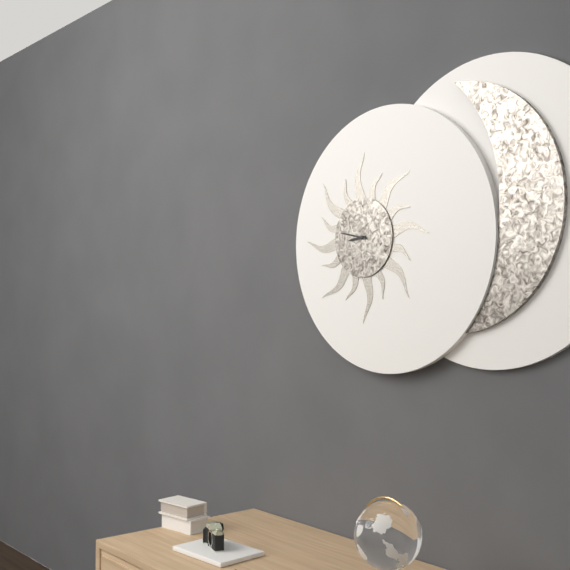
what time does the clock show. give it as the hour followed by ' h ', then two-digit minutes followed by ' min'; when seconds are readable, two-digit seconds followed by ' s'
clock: 8 h 47 min
